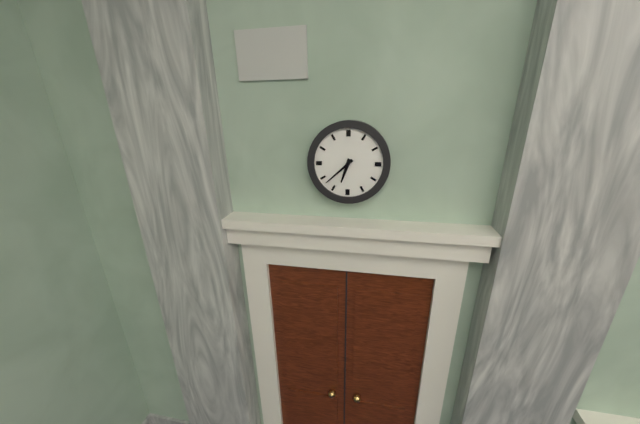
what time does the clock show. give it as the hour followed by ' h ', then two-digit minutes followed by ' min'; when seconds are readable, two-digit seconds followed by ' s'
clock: 6 h 38 min
